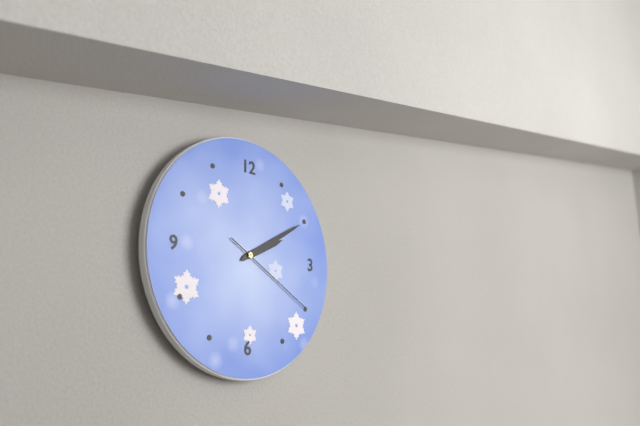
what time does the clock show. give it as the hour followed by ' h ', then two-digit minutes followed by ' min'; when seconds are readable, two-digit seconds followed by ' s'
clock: 2 h 10 min 20 s
